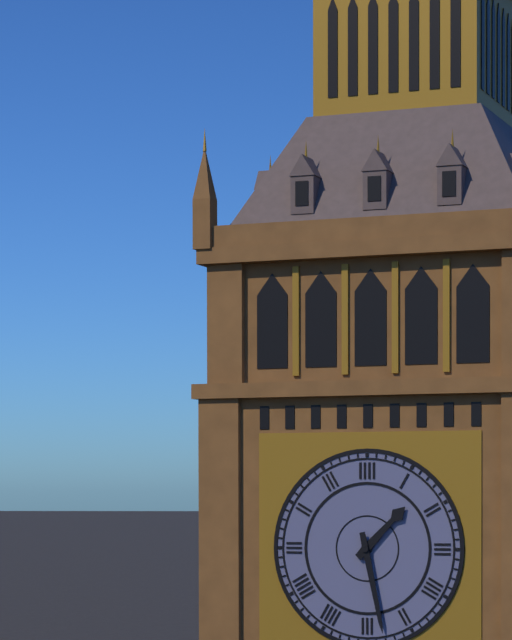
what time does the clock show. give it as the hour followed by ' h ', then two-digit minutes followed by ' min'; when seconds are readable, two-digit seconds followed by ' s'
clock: 1 h 28 min
